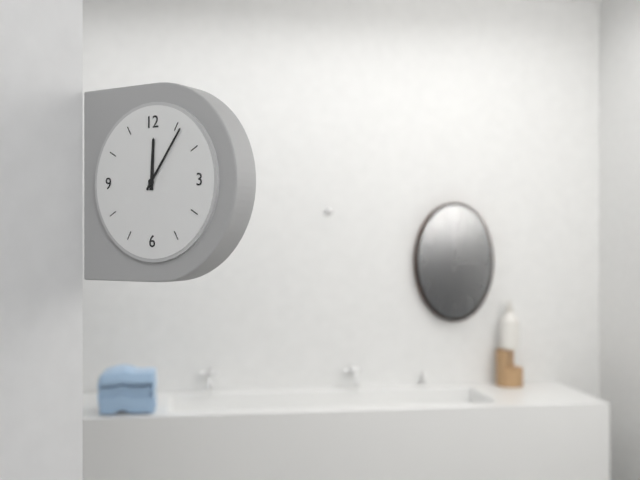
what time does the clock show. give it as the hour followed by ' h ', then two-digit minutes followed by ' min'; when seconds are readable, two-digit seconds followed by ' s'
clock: 12 h 06 min
